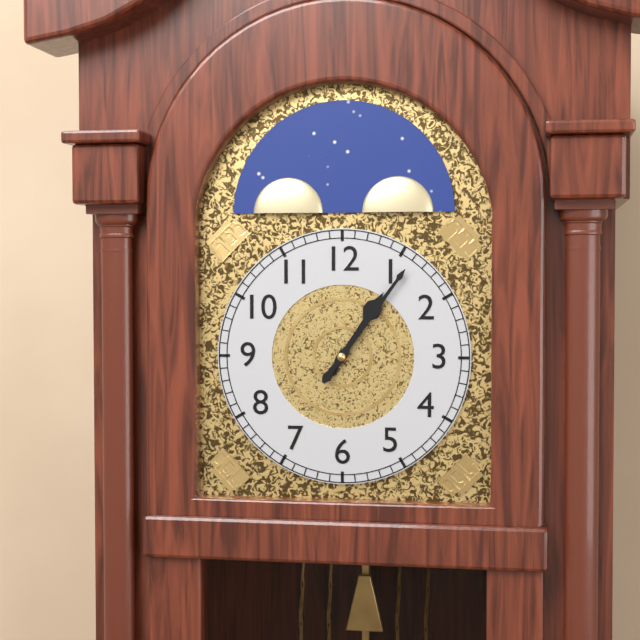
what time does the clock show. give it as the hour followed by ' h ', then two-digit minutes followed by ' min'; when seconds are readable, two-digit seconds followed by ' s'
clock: 1 h 06 min
